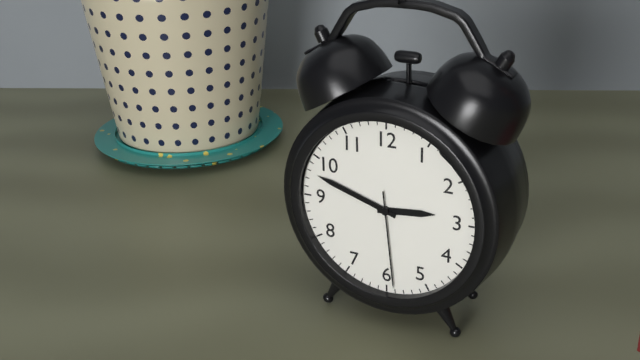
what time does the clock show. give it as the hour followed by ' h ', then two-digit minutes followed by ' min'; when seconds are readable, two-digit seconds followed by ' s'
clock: 2 h 48 min 29 s
